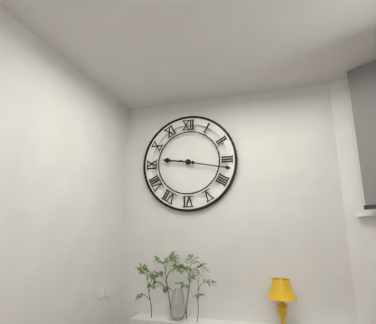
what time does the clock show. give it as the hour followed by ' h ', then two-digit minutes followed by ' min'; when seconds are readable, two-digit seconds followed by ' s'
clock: 9 h 17 min
